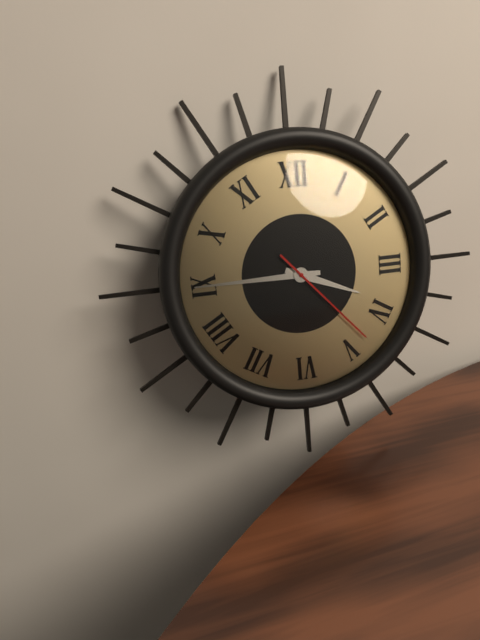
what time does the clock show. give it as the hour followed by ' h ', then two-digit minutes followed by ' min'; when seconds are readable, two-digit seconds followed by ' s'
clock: 3 h 45 min 23 s
